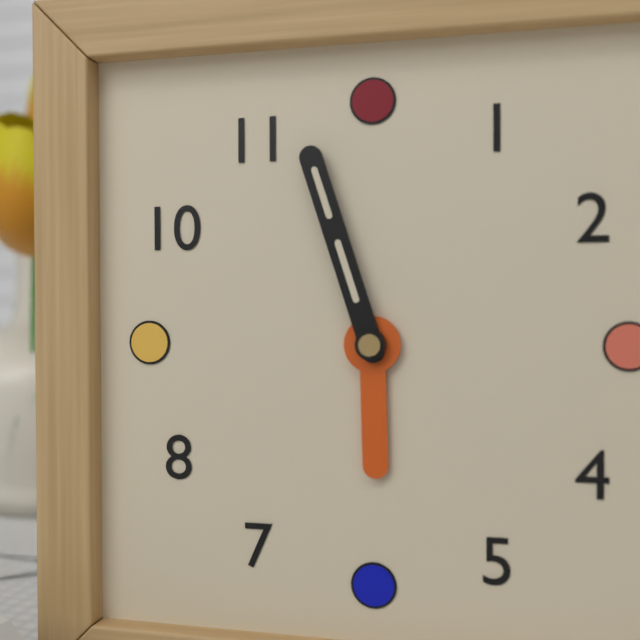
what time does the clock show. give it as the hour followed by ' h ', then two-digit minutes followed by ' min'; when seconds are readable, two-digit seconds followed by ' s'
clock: 5 h 57 min
